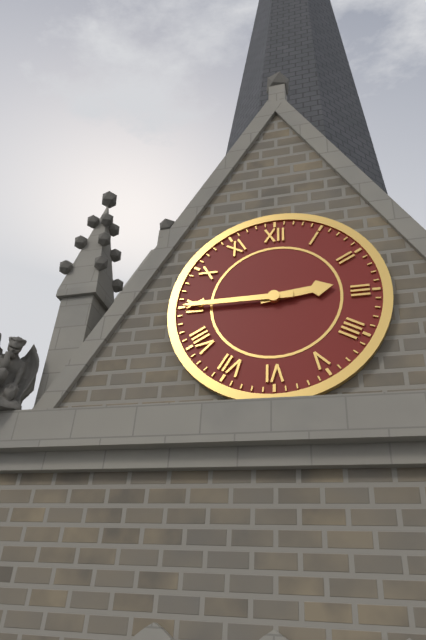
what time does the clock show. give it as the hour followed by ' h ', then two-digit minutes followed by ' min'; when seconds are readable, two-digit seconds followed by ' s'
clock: 2 h 45 min
